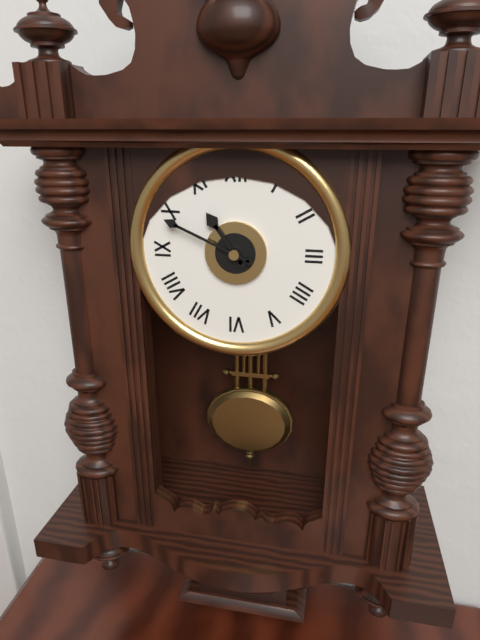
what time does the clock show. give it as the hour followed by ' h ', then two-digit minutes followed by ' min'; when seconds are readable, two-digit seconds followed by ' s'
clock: 10 h 49 min
